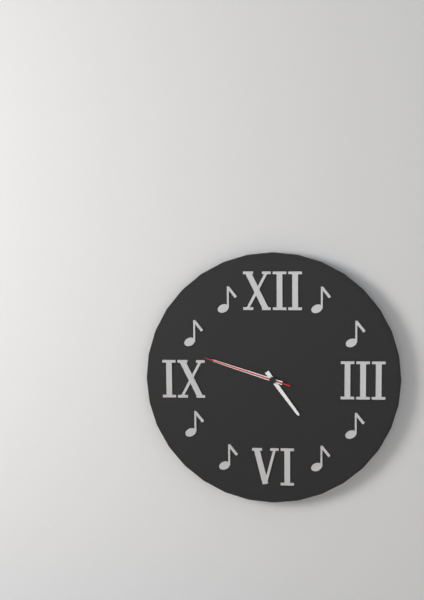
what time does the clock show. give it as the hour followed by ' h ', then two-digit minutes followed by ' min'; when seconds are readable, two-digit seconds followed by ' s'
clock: 4 h 48 min 48 s
